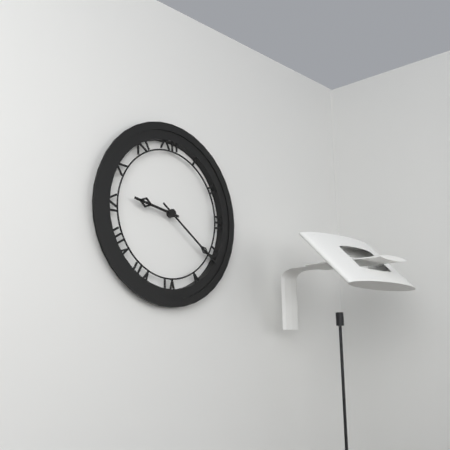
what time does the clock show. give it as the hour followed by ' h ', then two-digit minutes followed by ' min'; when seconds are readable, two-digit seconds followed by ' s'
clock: 9 h 21 min
